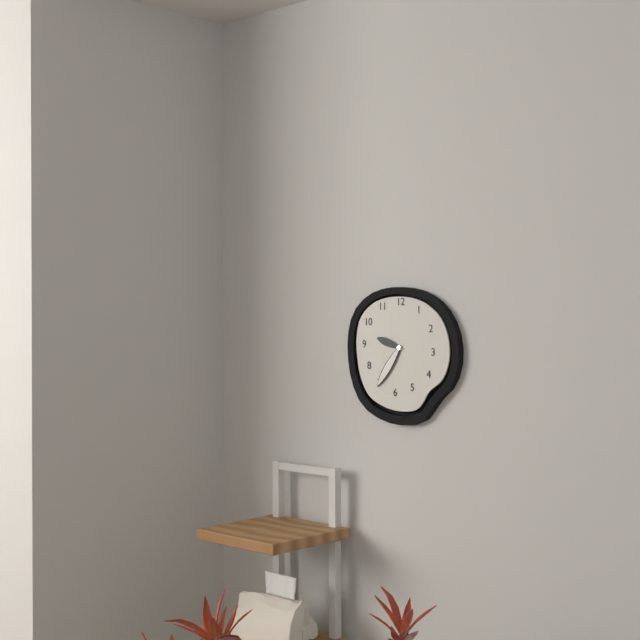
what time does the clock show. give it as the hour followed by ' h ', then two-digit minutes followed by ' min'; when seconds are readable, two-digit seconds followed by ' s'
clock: 9 h 36 min
